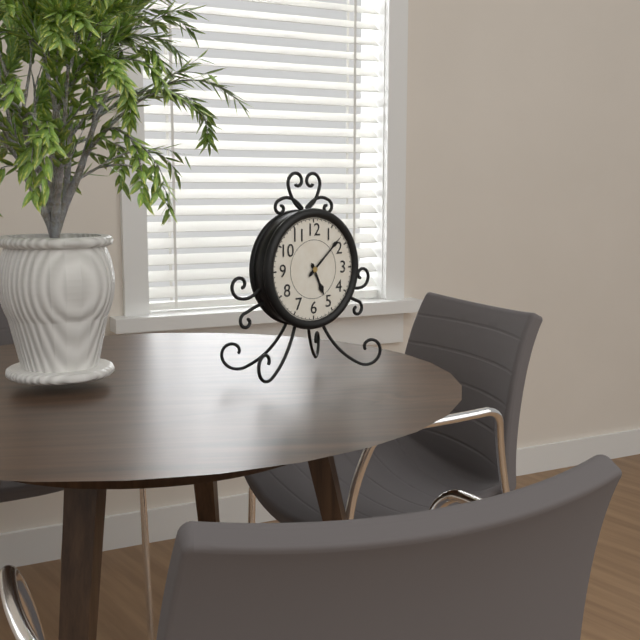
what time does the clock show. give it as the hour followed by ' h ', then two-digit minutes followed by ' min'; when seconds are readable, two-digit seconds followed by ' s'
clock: 5 h 08 min
